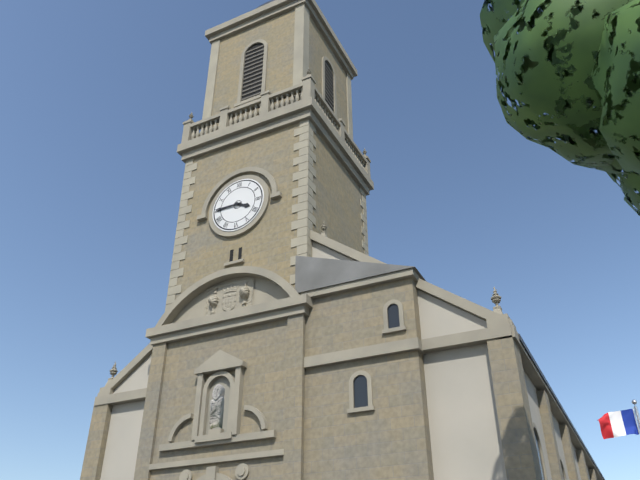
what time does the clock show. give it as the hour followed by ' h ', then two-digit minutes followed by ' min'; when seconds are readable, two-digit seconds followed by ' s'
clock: 3 h 45 min
